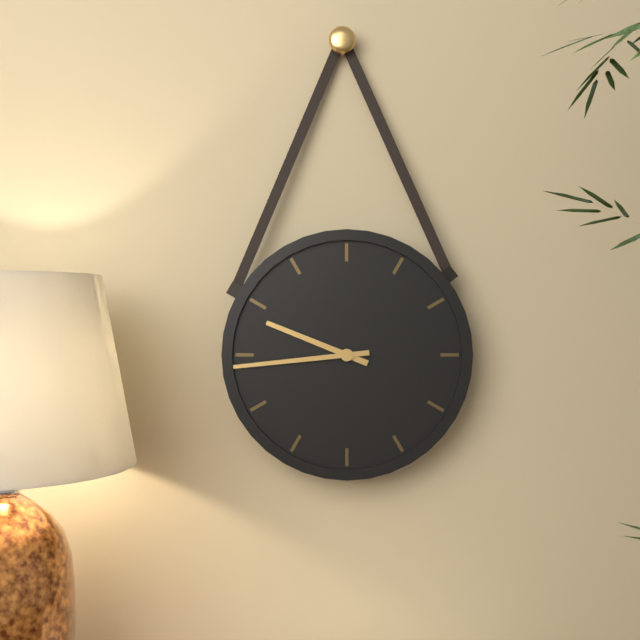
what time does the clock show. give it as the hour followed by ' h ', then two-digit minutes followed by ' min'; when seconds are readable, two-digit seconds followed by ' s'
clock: 9 h 44 min
